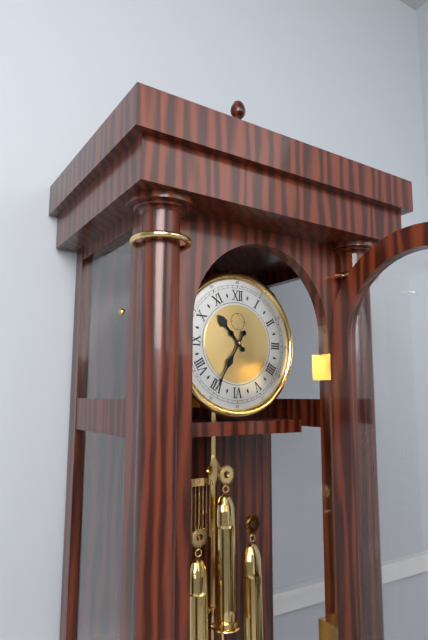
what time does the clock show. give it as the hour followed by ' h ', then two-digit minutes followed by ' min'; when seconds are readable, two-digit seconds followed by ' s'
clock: 10 h 35 min
